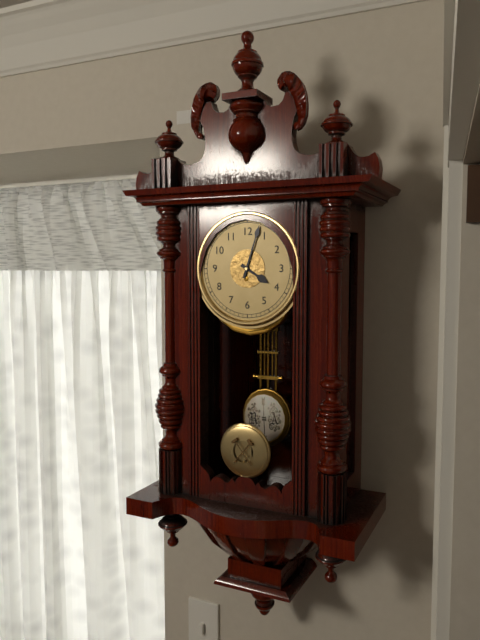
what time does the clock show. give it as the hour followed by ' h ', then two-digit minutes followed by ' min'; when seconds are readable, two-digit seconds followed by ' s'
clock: 4 h 03 min
